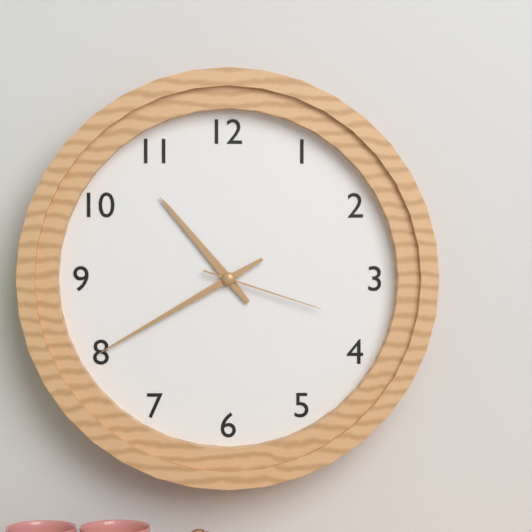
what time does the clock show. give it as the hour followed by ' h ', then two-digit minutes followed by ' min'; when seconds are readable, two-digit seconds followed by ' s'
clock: 10 h 40 min 18 s
